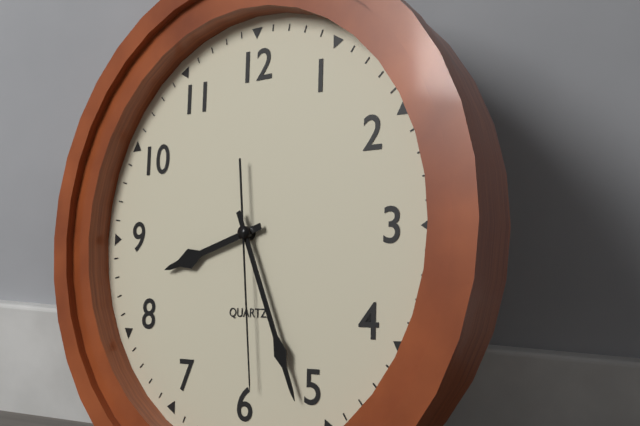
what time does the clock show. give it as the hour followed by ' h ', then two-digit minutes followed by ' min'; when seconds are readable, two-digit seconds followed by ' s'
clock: 8 h 26 min 29 s
